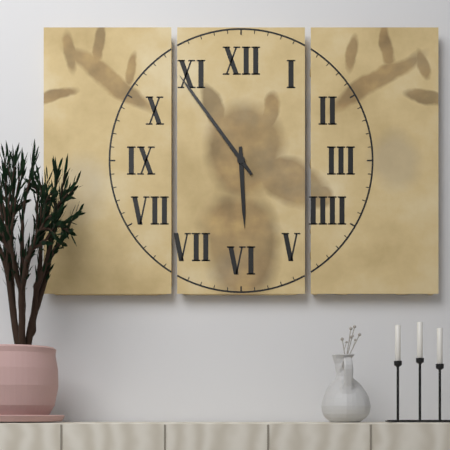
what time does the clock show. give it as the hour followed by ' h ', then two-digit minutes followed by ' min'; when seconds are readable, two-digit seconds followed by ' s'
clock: 5 h 54 min
